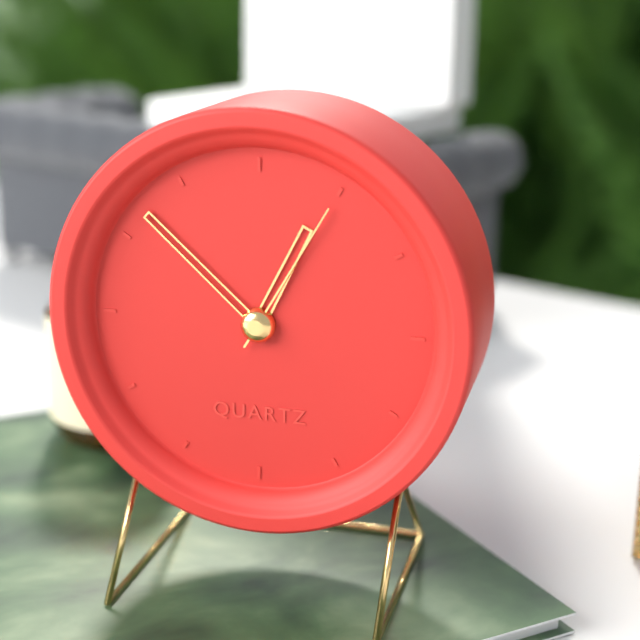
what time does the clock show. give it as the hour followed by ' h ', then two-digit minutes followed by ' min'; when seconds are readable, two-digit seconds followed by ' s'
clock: 12 h 52 min 05 s
